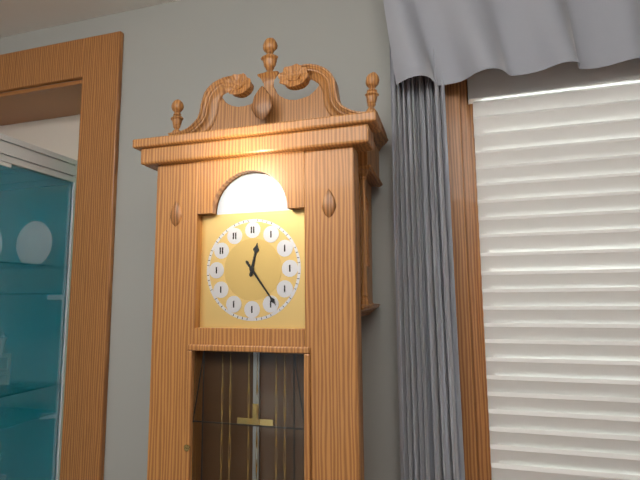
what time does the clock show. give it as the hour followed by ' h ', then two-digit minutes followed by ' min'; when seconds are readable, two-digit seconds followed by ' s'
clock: 12 h 24 min
